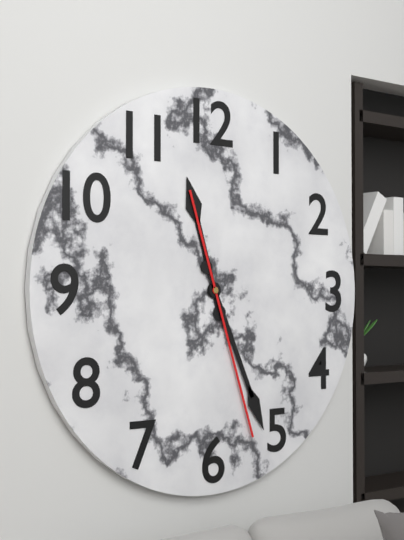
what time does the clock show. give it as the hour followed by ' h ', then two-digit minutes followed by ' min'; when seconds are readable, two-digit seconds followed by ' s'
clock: 11 h 26 min 27 s
